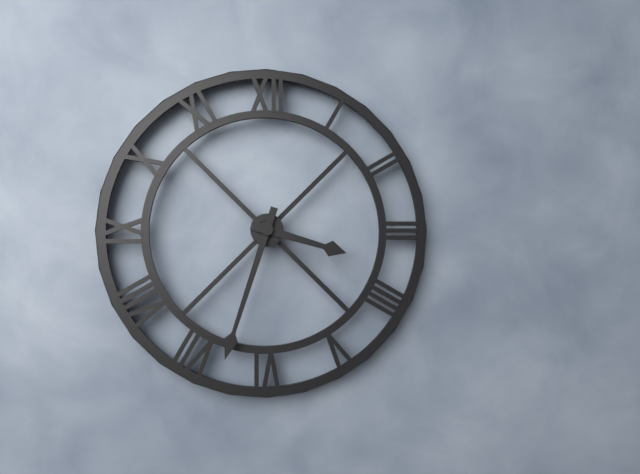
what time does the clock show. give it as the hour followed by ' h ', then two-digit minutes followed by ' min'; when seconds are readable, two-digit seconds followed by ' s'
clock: 3 h 33 min
